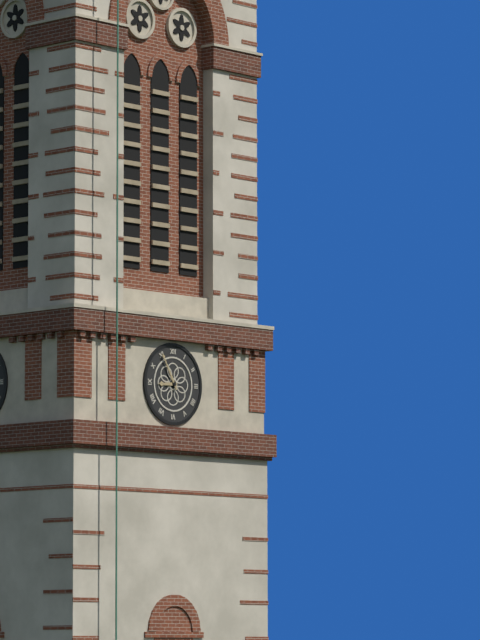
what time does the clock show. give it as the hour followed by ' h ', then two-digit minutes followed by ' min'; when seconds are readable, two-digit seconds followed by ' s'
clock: 8 h 55 min
